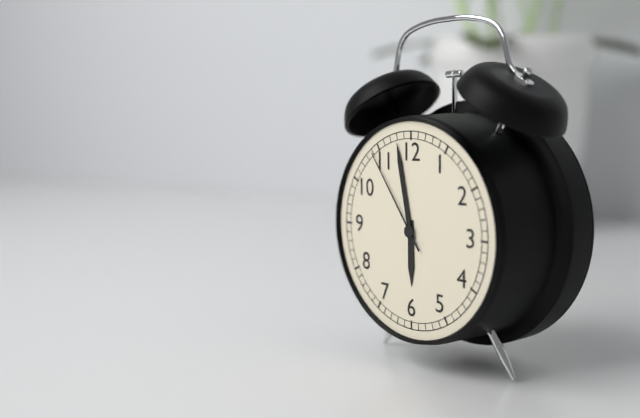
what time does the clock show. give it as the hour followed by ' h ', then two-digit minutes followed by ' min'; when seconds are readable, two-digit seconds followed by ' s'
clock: 5 h 58 min 54 s
